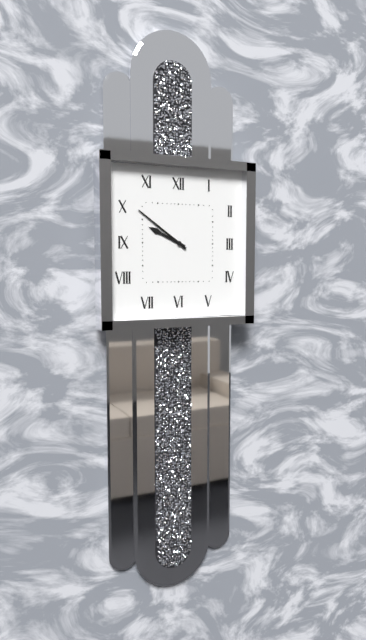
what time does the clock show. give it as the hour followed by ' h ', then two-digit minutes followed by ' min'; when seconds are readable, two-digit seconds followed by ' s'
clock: 9 h 51 min
